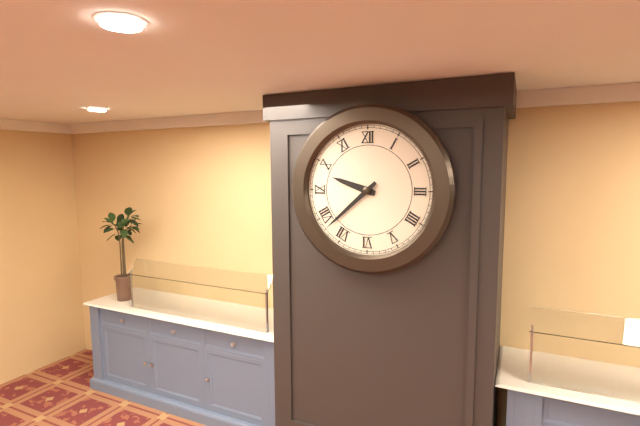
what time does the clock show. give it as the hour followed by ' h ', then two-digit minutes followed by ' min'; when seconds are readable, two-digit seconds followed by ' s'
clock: 9 h 38 min
